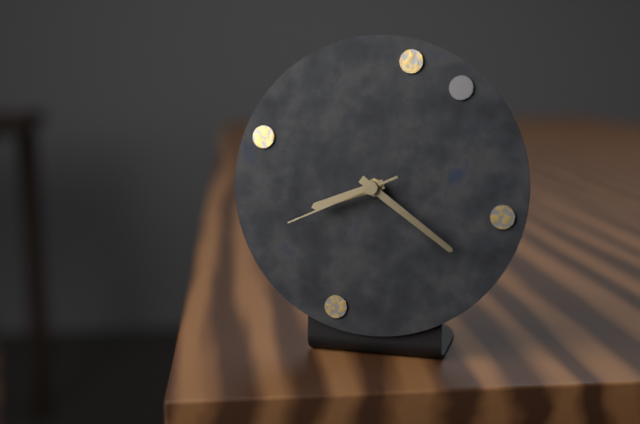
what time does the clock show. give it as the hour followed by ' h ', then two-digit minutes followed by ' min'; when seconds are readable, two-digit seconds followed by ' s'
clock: 8 h 21 min 41 s
